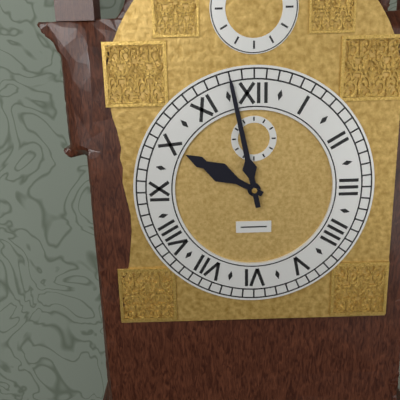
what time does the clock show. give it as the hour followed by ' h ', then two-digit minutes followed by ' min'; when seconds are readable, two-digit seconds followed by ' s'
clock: 9 h 58 min
